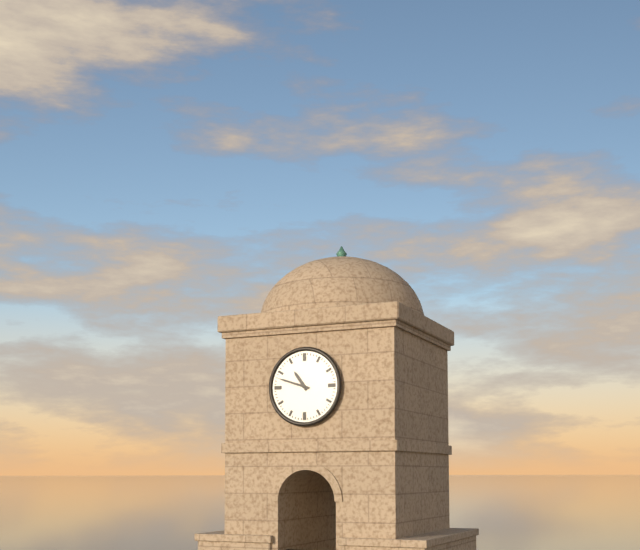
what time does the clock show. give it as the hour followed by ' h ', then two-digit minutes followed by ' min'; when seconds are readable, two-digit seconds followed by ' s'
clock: 10 h 48 min
